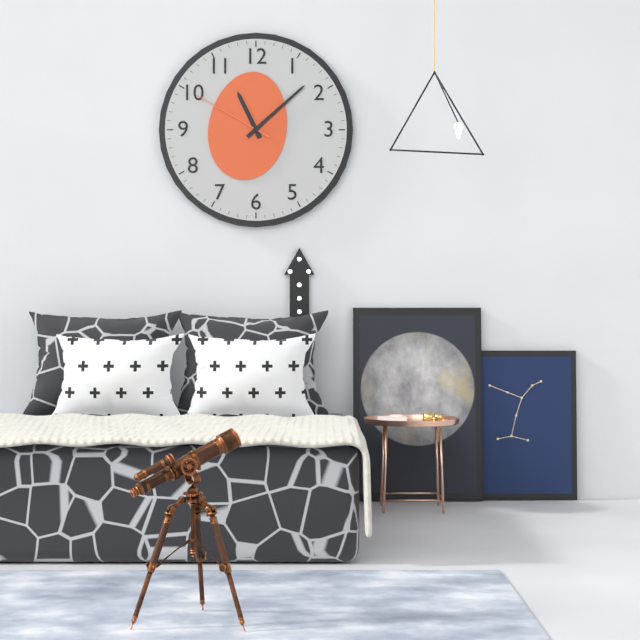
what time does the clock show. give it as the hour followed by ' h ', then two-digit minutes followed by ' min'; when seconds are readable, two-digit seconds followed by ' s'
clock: 11 h 08 min 50 s
